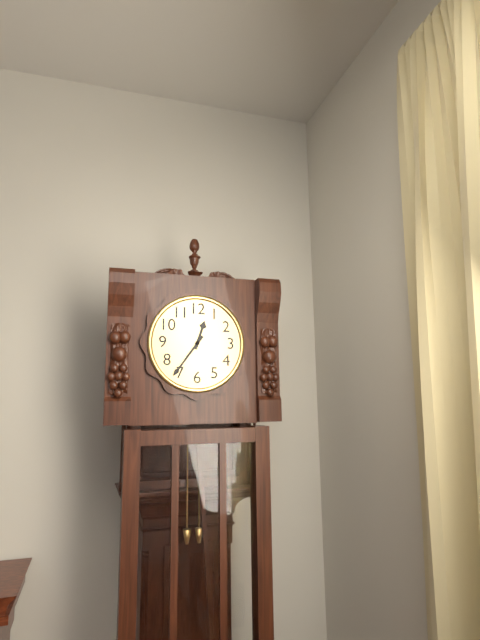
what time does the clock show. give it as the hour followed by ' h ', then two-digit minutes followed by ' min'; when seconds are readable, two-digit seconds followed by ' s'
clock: 12 h 36 min
